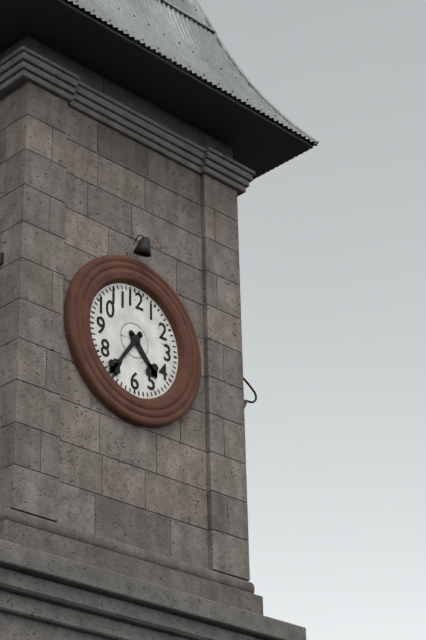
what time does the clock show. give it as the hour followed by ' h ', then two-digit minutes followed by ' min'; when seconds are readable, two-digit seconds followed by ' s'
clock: 4 h 36 min
